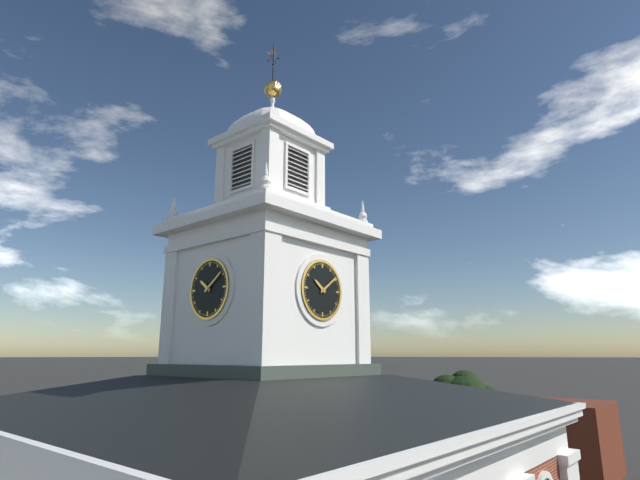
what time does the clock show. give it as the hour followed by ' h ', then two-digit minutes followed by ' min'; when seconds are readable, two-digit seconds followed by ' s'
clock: 10 h 09 min
